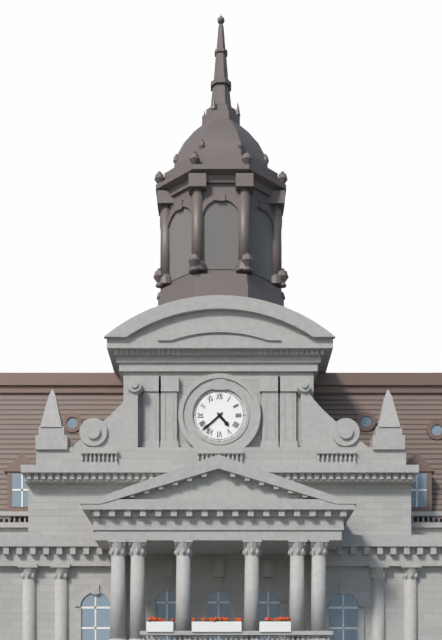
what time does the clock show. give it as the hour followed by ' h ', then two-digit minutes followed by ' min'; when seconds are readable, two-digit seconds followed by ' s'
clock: 4 h 38 min
